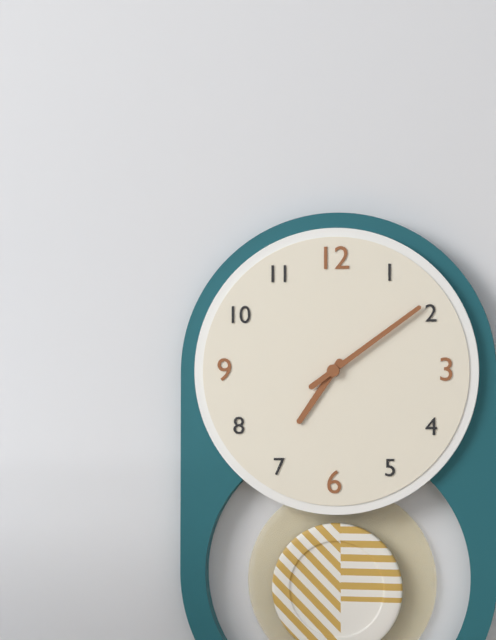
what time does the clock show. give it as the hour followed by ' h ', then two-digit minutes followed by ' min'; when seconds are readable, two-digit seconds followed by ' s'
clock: 7 h 09 min
